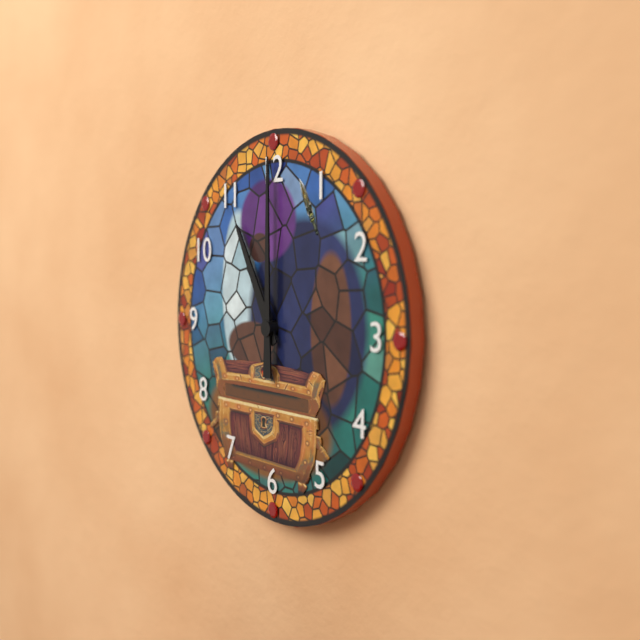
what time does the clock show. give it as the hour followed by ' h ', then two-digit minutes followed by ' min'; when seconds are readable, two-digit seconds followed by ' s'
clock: 11 h 00 min
